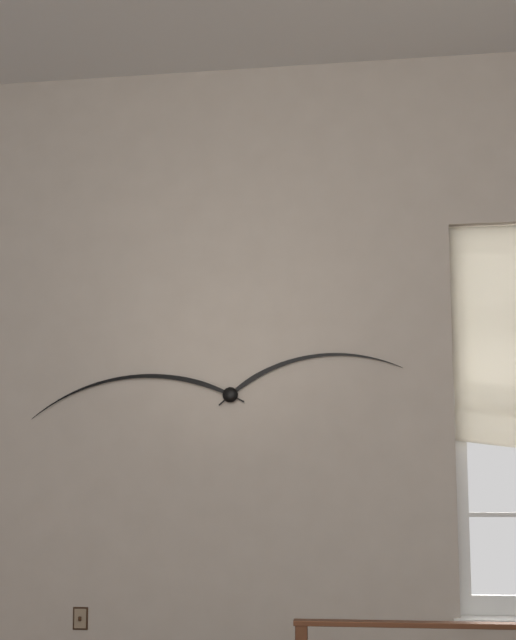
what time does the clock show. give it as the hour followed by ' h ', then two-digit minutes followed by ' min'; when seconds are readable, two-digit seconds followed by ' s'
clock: 2 h 44 min
